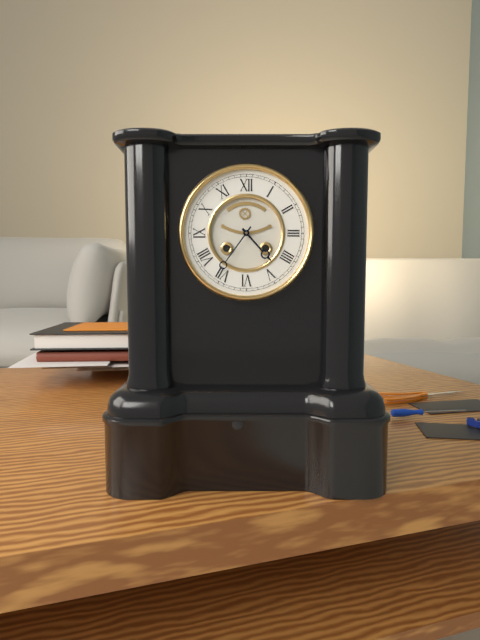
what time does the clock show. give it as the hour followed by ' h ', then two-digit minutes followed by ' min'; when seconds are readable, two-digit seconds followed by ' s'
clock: 4 h 36 min
